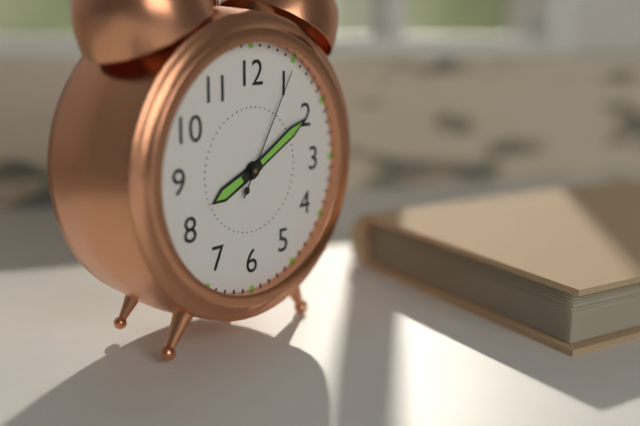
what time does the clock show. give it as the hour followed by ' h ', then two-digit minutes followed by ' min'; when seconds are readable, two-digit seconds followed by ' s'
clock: 8 h 10 min 05 s
